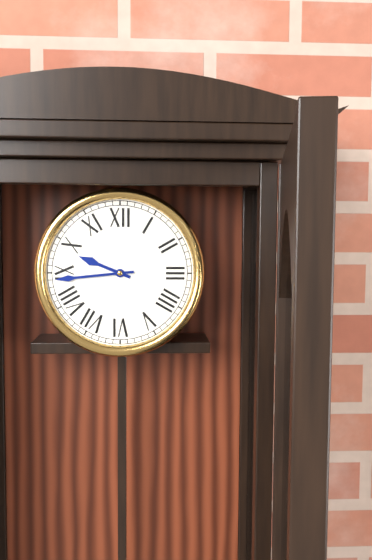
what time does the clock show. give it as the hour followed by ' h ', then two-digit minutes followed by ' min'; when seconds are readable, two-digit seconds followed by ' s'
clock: 9 h 44 min
